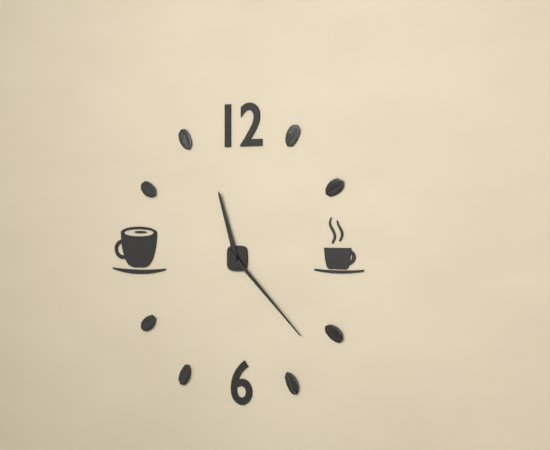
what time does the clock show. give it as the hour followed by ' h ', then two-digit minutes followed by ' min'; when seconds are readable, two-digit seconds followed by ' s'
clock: 11 h 22 min
